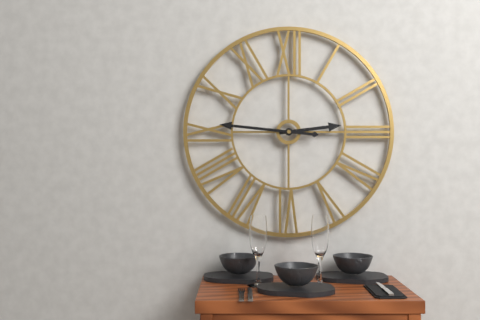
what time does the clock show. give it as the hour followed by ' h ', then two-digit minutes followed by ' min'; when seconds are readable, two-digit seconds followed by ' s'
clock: 2 h 46 min
